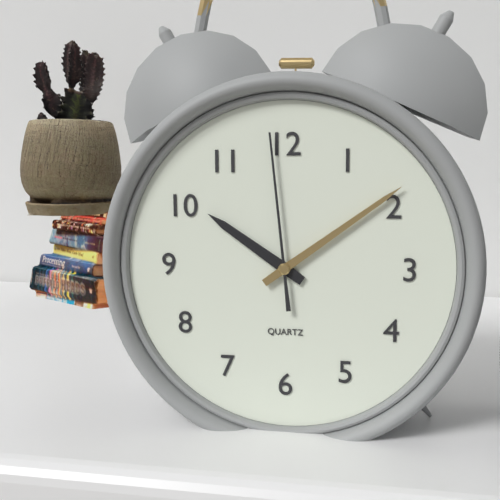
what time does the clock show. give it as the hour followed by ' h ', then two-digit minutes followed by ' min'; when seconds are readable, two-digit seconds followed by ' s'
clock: 10 h 09 min 59 s
